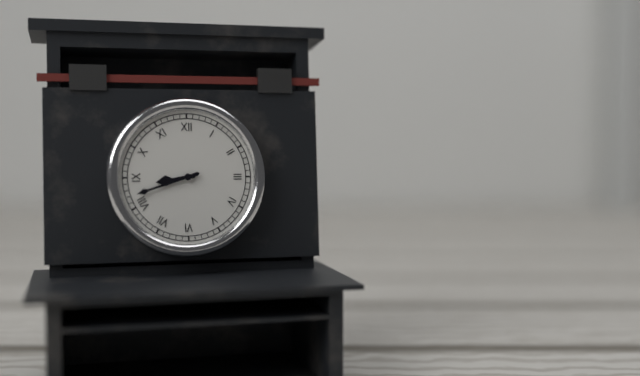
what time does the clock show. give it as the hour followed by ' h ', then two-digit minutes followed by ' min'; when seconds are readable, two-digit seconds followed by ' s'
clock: 8 h 42 min
